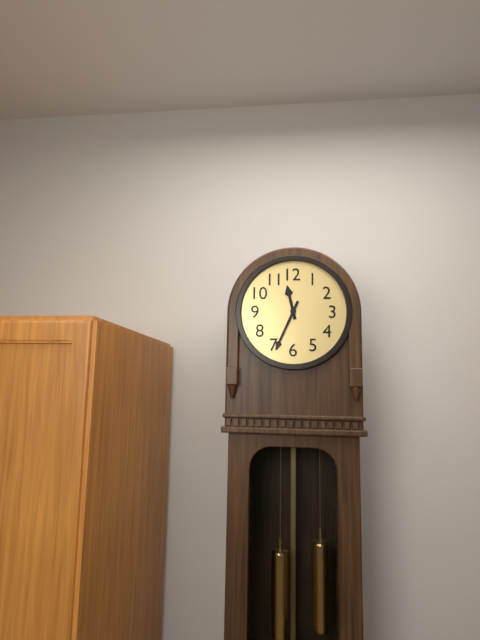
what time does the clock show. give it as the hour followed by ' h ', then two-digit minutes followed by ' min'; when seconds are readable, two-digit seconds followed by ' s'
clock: 11 h 34 min
